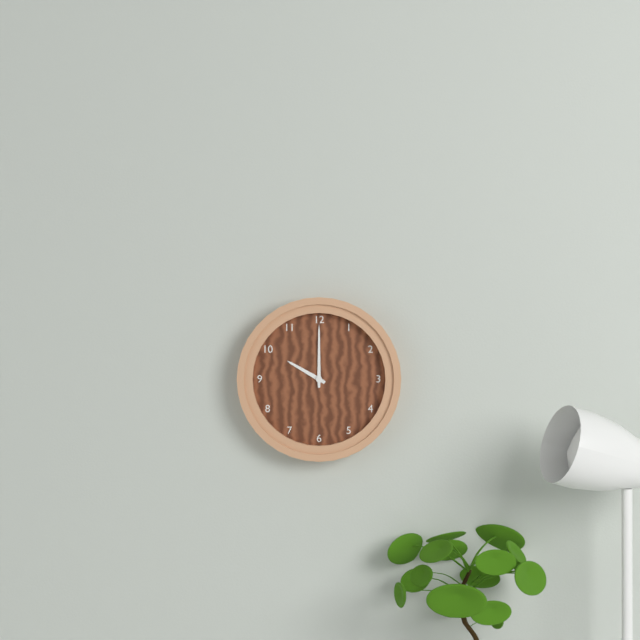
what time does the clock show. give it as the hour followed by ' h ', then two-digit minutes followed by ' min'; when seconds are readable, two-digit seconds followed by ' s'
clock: 10 h 00 min
